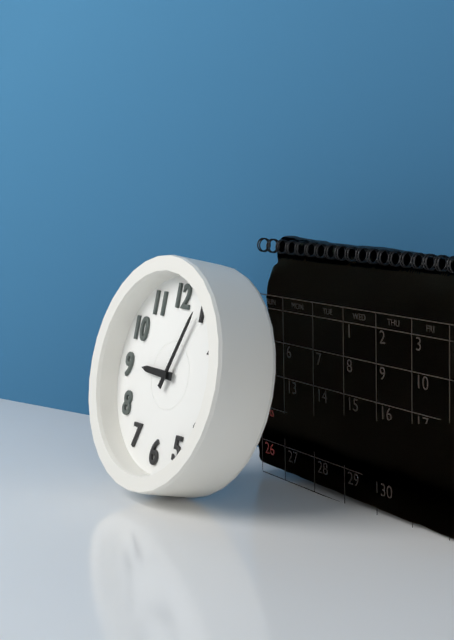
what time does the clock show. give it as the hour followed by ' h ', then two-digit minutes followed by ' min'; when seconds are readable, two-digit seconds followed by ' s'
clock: 9 h 04 min
